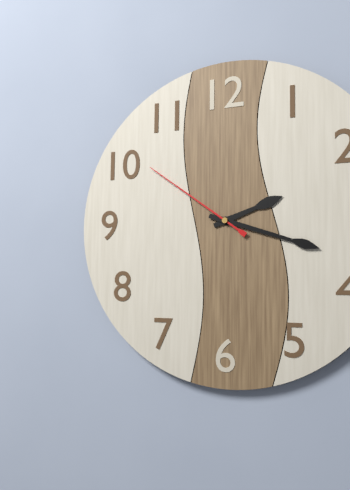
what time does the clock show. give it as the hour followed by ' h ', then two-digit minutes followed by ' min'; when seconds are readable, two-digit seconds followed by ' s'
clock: 2 h 18 min 51 s
